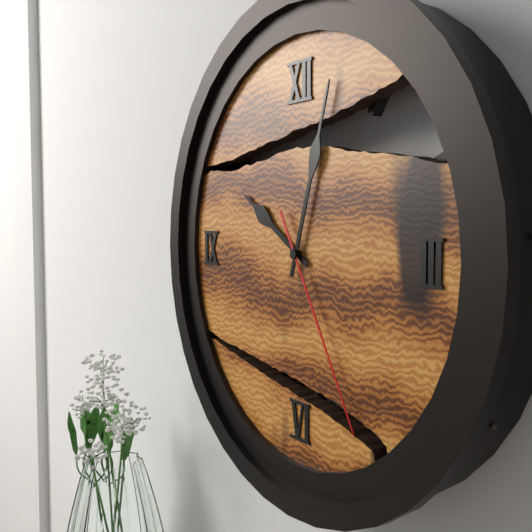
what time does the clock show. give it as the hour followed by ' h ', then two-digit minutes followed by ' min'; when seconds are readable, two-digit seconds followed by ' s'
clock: 10 h 03 min 25 s
